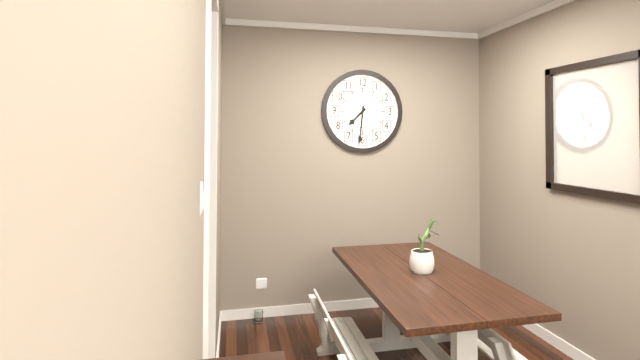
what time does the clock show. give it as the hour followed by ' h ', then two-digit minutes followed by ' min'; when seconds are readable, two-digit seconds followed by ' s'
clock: 7 h 31 min
